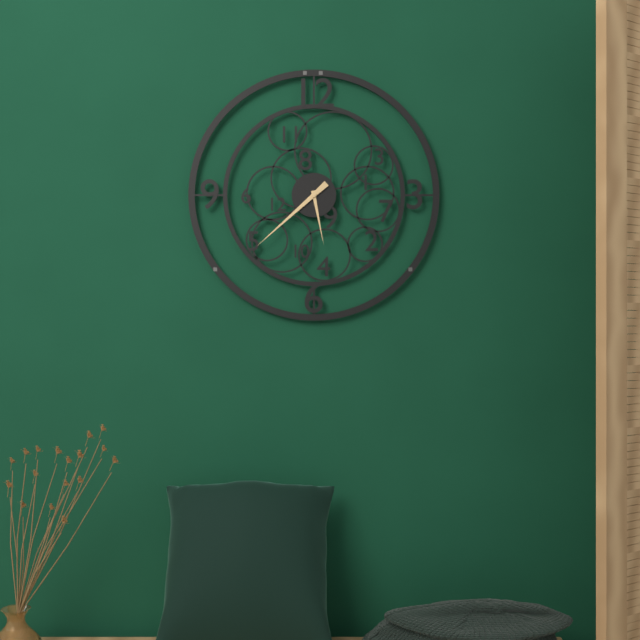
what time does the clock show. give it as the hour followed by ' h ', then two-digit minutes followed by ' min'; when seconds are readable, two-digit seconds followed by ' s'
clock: 5 h 38 min
